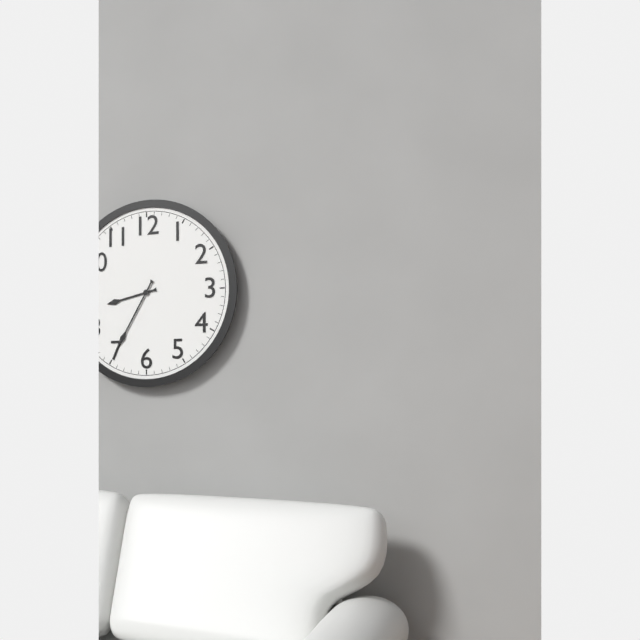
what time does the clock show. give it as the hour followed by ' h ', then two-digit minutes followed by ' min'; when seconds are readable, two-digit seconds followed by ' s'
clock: 8 h 35 min
